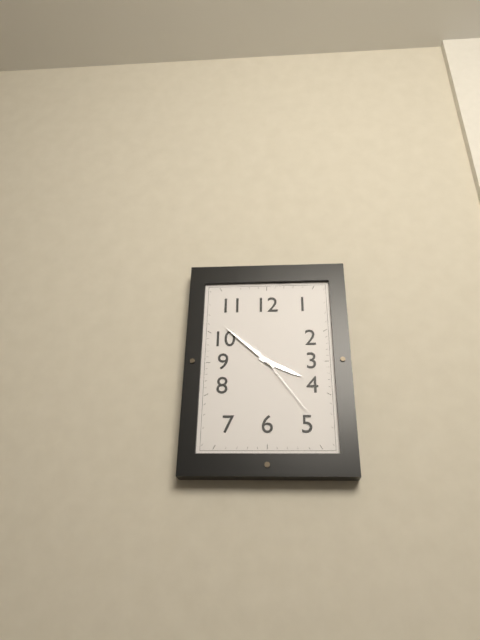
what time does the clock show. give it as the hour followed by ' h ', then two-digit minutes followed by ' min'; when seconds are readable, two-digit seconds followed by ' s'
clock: 3 h 52 min 24 s
